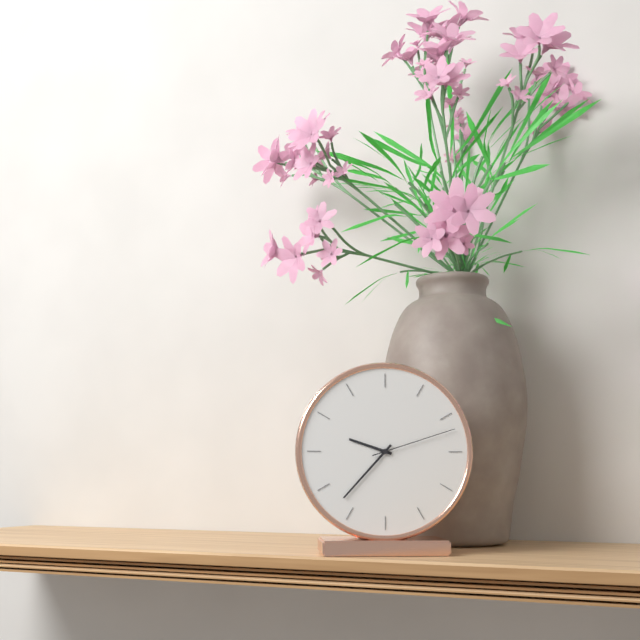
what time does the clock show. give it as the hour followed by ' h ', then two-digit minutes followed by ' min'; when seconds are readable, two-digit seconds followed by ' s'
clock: 9 h 37 min 12 s
